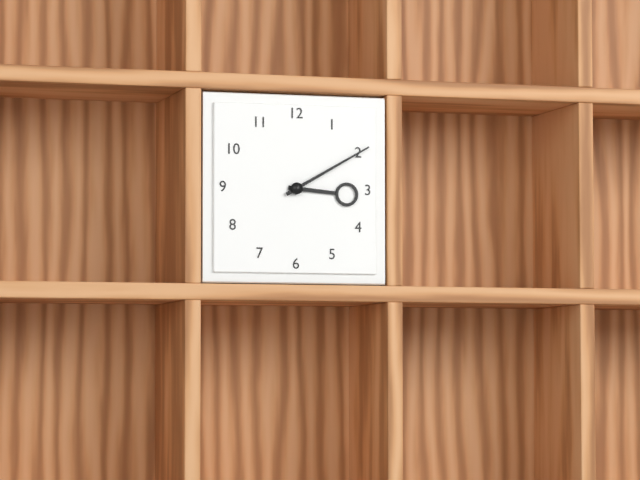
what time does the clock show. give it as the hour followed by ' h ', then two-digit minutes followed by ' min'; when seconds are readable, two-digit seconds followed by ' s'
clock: 3 h 10 min
